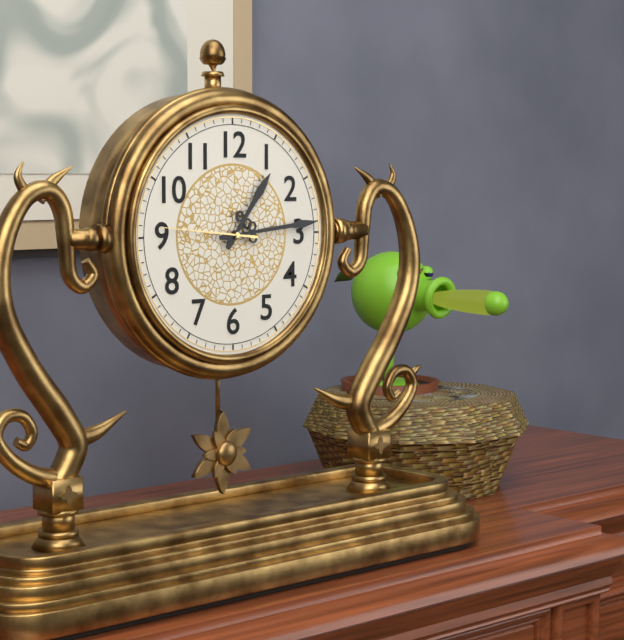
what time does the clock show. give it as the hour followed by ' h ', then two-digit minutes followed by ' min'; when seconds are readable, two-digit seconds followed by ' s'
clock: 1 h 14 min 46 s
